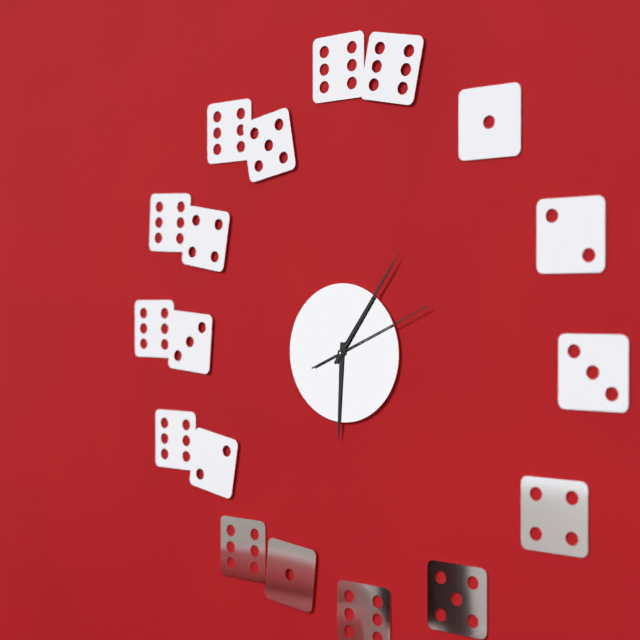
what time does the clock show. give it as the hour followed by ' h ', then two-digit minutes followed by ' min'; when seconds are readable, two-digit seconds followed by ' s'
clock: 6 h 06 min 11 s
